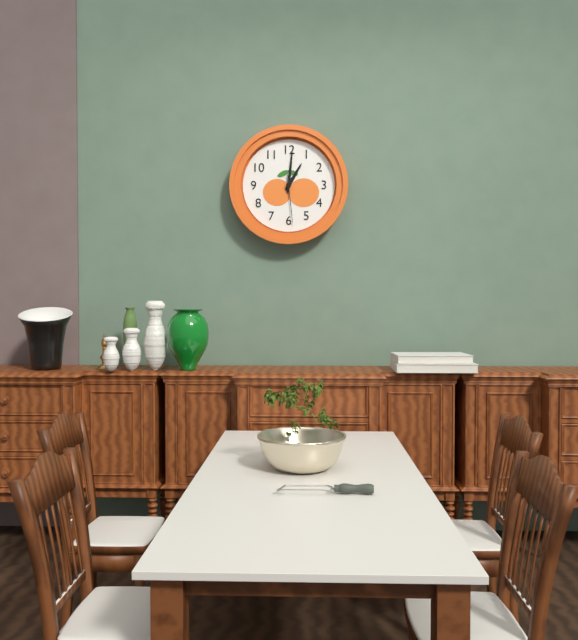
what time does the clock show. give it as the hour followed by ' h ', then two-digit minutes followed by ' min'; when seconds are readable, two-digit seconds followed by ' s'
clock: 1 h 01 min 29 s
